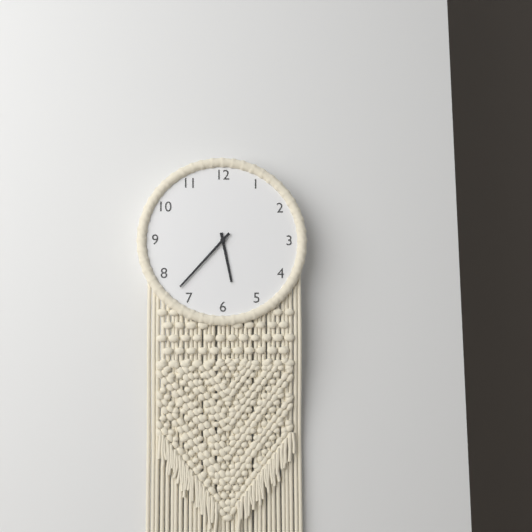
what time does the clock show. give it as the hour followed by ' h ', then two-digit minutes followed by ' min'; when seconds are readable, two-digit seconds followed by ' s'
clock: 5 h 37 min
